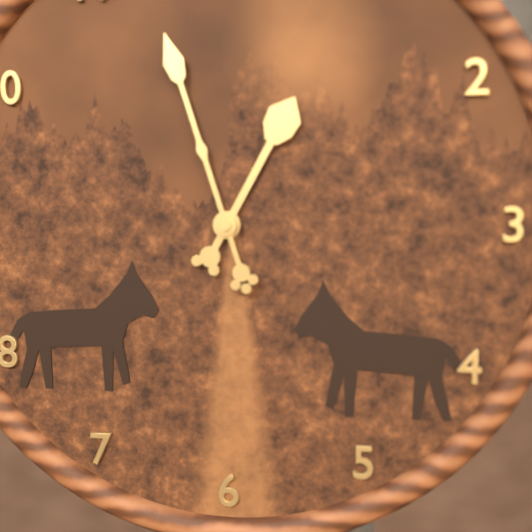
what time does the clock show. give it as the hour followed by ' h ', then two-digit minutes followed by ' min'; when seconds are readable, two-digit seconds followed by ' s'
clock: 12 h 57 min
